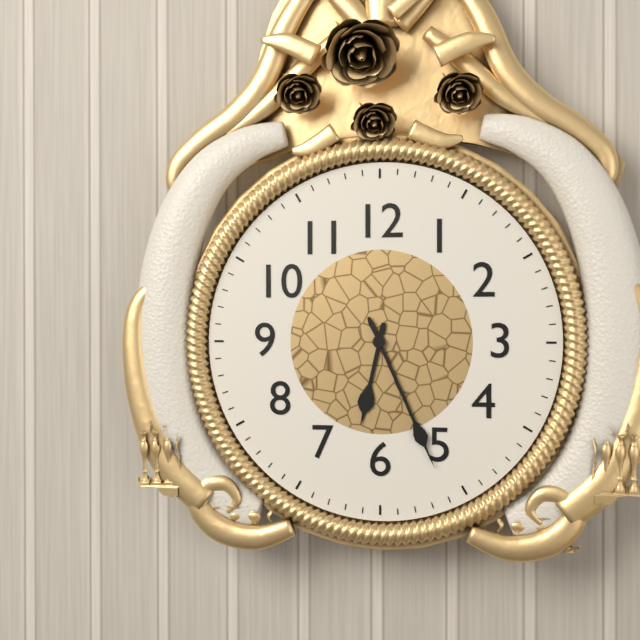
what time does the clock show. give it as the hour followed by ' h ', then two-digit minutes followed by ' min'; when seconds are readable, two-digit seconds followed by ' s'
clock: 6 h 26 min
